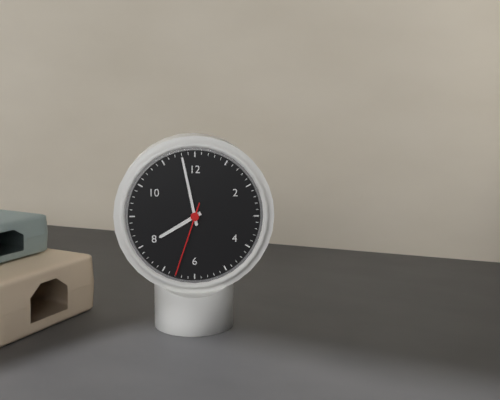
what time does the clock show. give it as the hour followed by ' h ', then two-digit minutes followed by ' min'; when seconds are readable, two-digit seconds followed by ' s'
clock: 7 h 58 min 33 s
